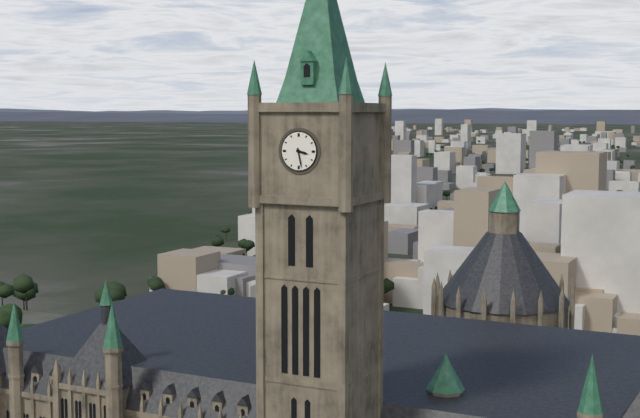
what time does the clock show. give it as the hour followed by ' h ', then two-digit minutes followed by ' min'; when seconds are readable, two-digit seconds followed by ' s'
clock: 3 h 28 min
